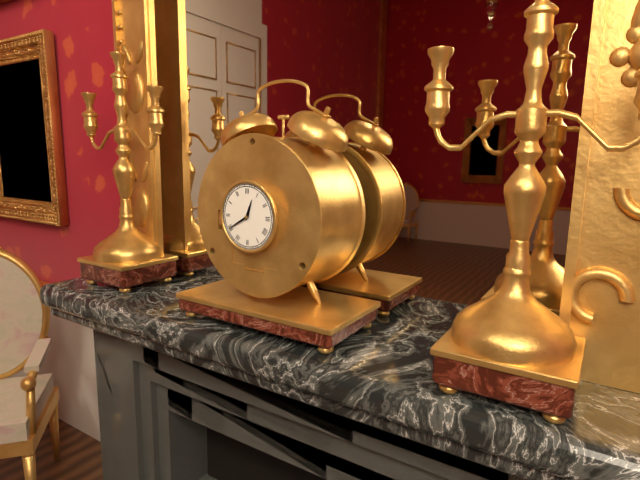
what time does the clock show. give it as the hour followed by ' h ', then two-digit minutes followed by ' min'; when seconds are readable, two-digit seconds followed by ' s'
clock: 12 h 40 min
